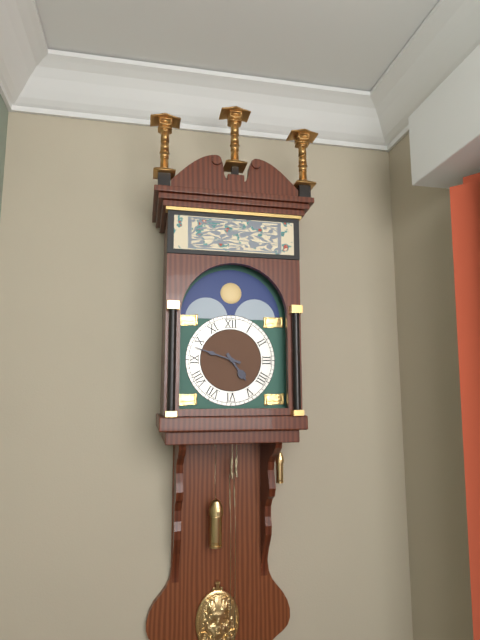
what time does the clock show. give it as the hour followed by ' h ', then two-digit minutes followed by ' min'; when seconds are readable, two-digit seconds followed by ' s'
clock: 4 h 48 min
